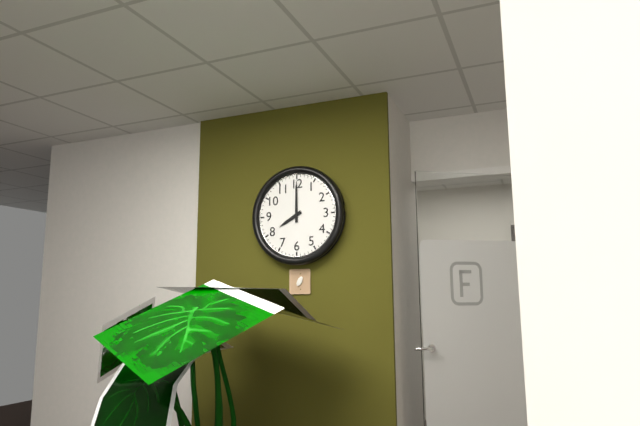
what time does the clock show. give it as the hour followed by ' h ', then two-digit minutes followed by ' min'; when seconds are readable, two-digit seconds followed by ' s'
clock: 8 h 00 min
